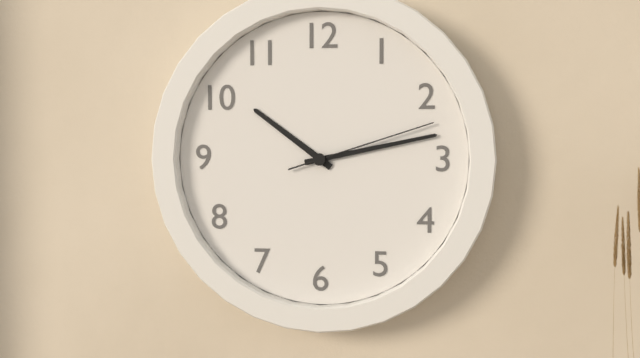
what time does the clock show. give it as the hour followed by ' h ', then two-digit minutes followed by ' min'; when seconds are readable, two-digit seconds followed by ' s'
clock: 10 h 13 min 12 s
